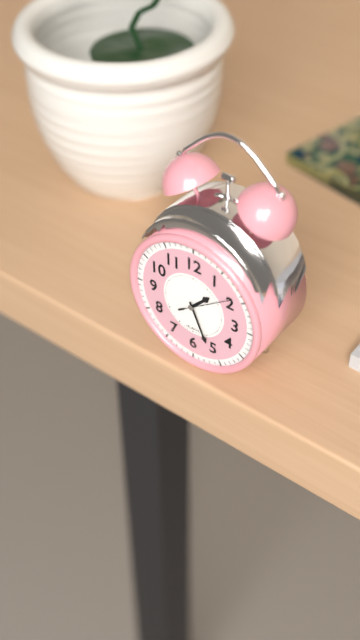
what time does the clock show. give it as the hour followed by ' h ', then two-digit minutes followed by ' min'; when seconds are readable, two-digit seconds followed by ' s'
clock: 1 h 26 min 09 s
